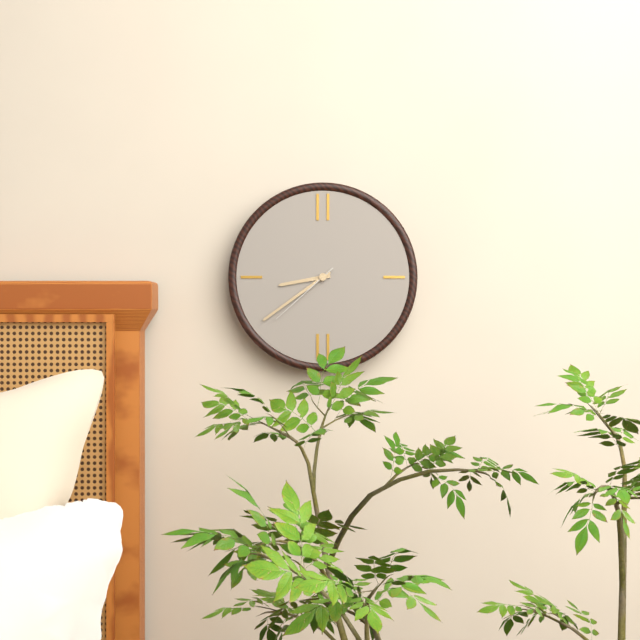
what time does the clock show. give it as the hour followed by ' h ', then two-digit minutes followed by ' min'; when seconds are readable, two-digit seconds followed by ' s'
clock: 8 h 39 min 38 s
